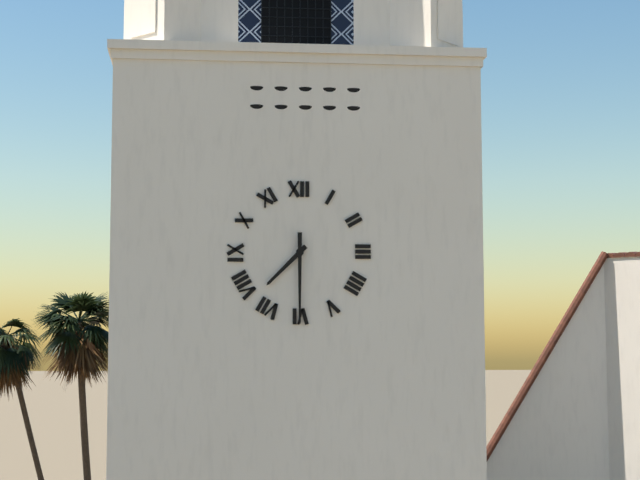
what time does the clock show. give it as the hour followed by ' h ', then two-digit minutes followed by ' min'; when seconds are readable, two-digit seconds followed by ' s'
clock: 7 h 30 min
